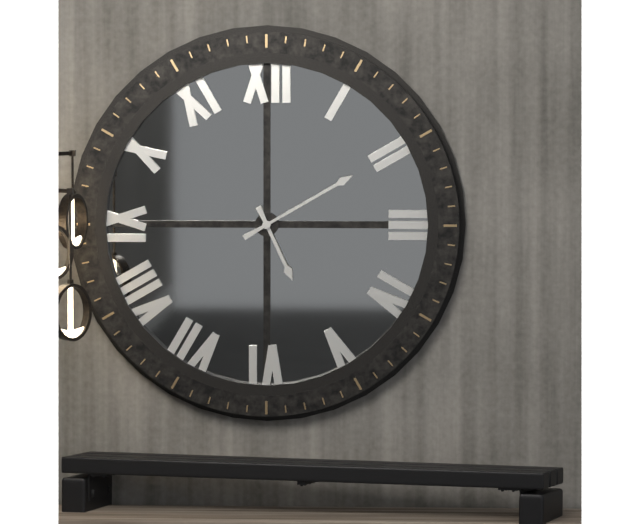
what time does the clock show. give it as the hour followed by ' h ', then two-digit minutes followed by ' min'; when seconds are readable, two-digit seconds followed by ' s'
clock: 5 h 10 min
